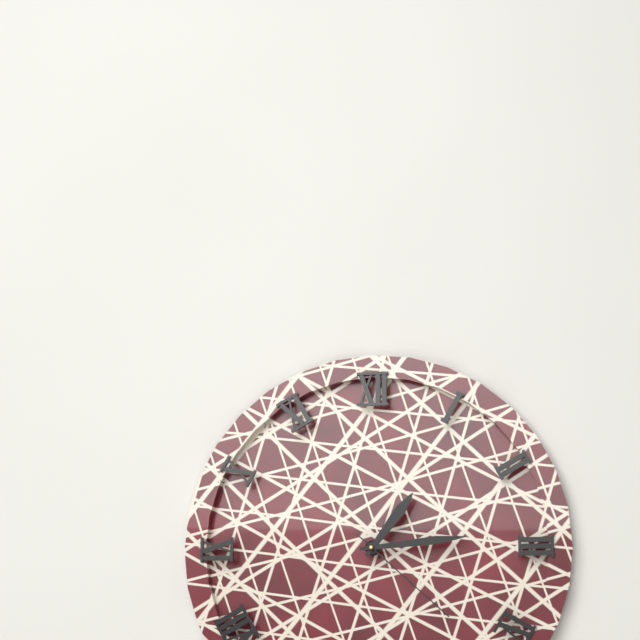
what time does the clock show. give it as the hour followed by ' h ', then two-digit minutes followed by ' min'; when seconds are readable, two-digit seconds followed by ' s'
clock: 1 h 14 min 22 s
